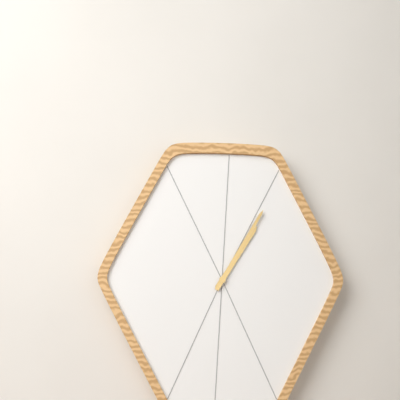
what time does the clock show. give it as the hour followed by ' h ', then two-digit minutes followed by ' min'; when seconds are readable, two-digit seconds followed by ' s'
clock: 1 h 05 min
